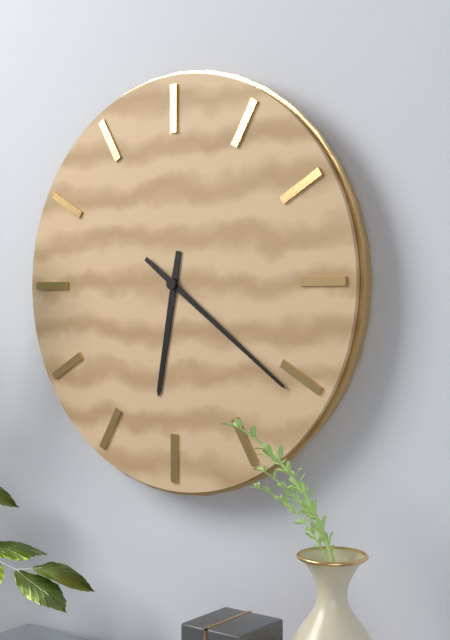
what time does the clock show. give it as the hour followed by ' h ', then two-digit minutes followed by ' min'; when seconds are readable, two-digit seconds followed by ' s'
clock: 6 h 21 min
